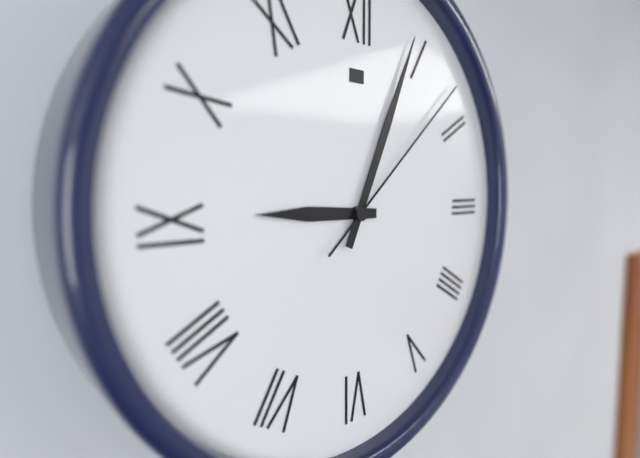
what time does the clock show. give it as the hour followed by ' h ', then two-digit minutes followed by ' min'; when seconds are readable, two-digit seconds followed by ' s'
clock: 9 h 04 min 08 s
